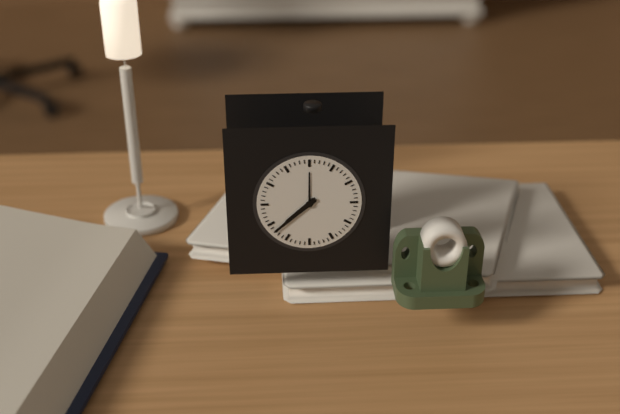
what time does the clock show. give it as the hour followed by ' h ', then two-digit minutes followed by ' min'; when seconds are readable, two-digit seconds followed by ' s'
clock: 7 h 38 min
